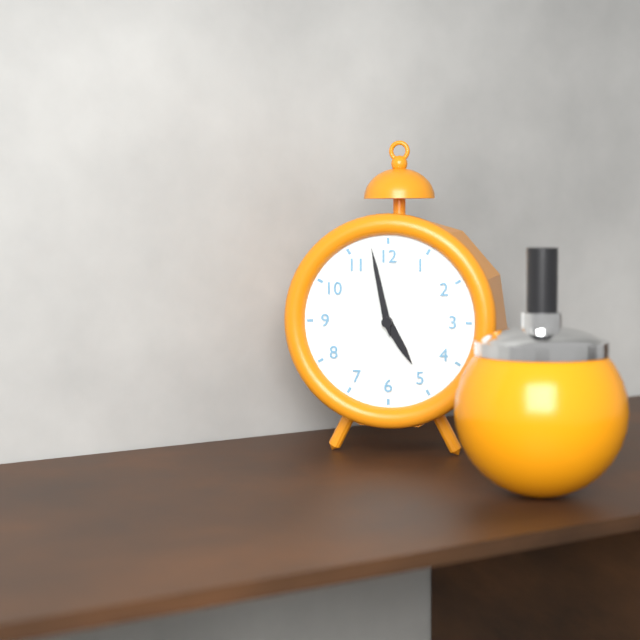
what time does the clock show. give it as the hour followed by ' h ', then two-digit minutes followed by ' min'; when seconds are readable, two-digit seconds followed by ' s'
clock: 4 h 58 min
